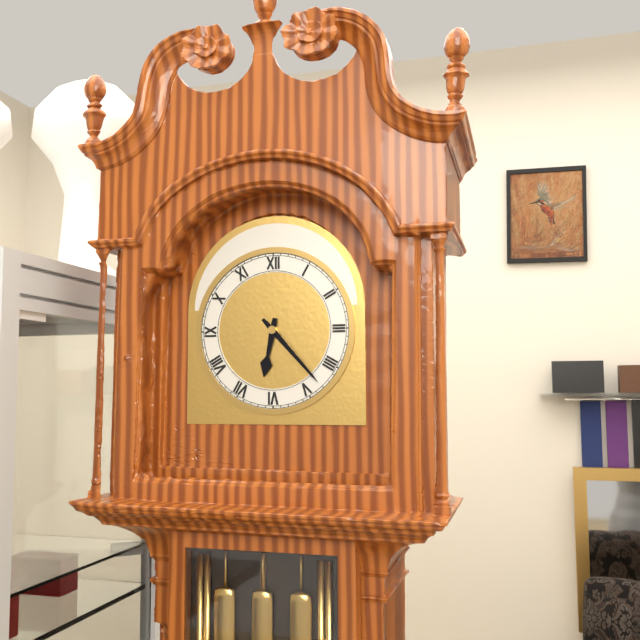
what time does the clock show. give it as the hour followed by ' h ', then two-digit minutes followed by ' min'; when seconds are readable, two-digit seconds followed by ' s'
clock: 6 h 23 min
